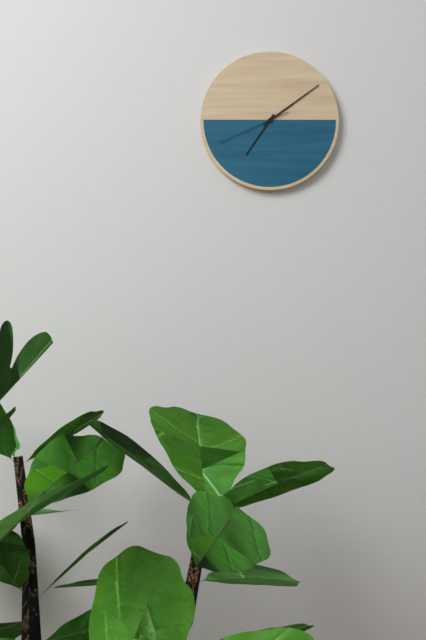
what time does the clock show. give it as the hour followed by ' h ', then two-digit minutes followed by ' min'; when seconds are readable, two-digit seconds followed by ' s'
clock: 7 h 09 min 41 s
